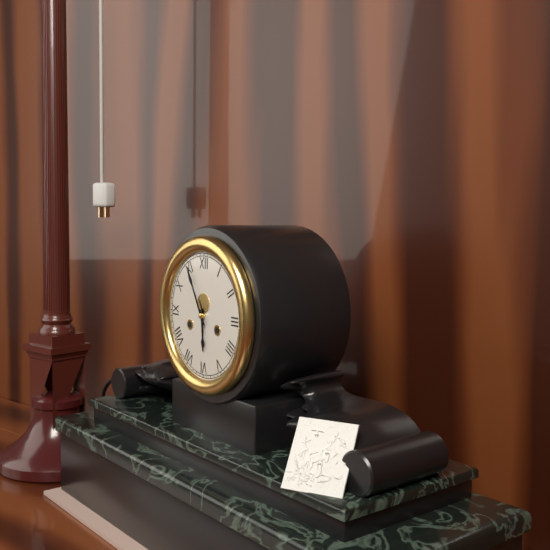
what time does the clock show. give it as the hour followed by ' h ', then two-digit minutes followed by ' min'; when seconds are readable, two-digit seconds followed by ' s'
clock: 5 h 55 min
